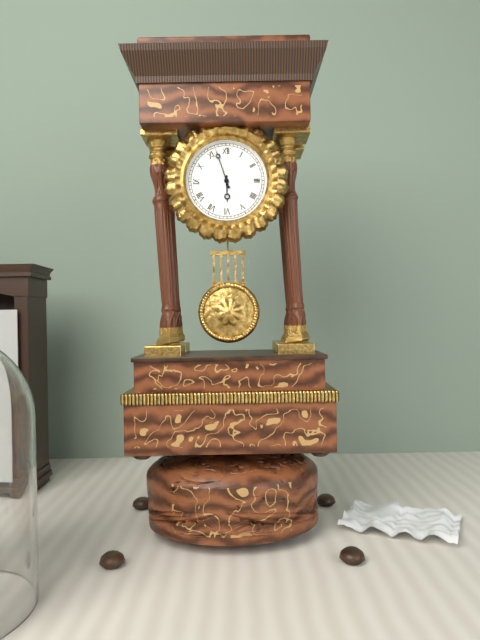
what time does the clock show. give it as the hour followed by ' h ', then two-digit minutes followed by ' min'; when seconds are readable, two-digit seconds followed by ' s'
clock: 5 h 57 min
